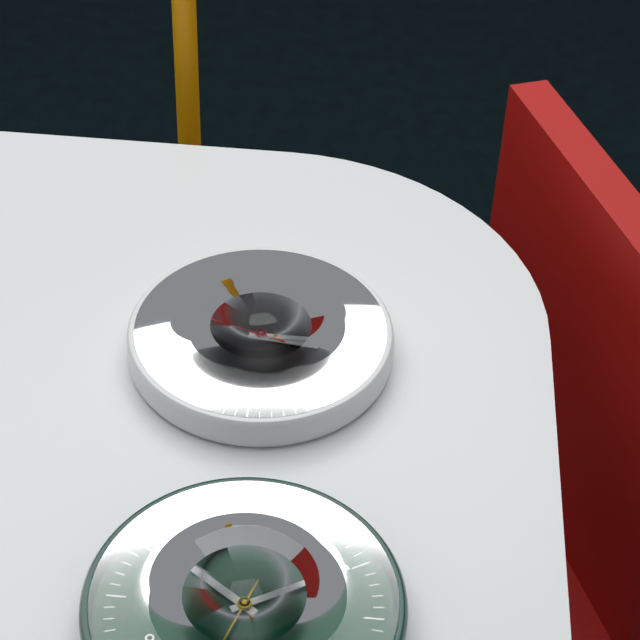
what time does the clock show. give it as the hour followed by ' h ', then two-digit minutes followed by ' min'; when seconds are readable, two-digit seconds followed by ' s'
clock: 3 h 15 min 48 s
